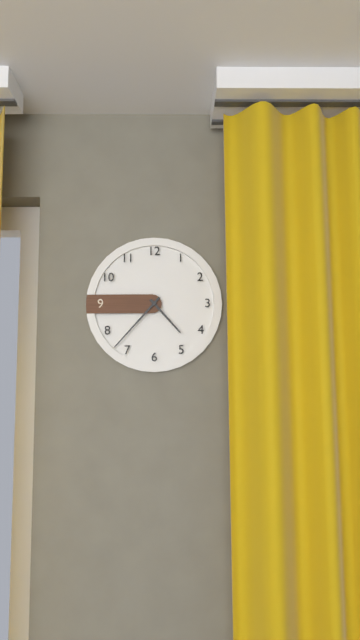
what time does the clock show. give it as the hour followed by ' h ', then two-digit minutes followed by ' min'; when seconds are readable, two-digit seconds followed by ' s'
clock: 4 h 37 min
